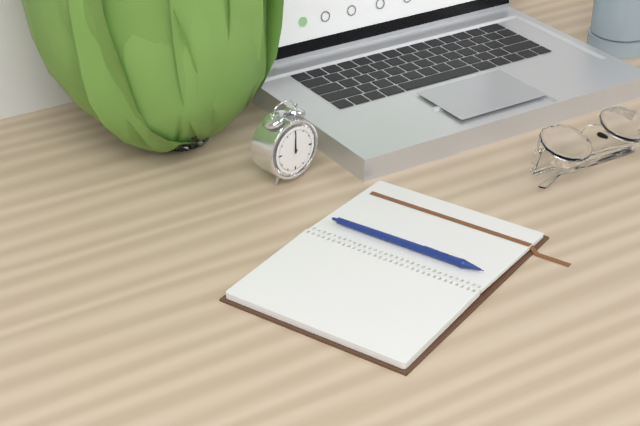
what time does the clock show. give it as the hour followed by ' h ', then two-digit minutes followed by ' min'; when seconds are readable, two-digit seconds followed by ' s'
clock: 12 h 00 min
